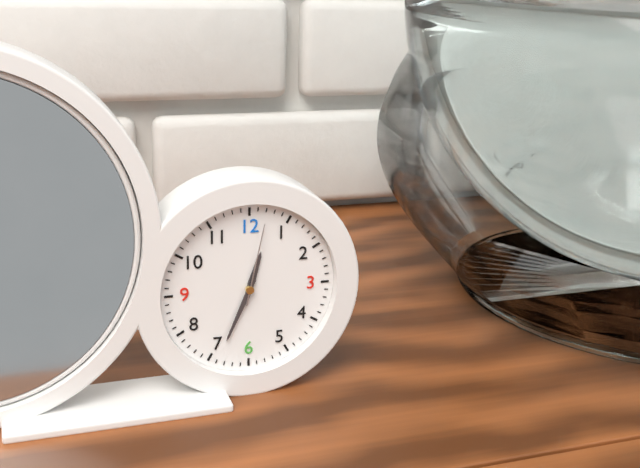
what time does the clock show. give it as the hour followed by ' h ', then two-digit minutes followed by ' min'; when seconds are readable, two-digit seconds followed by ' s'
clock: 12 h 34 min 02 s
